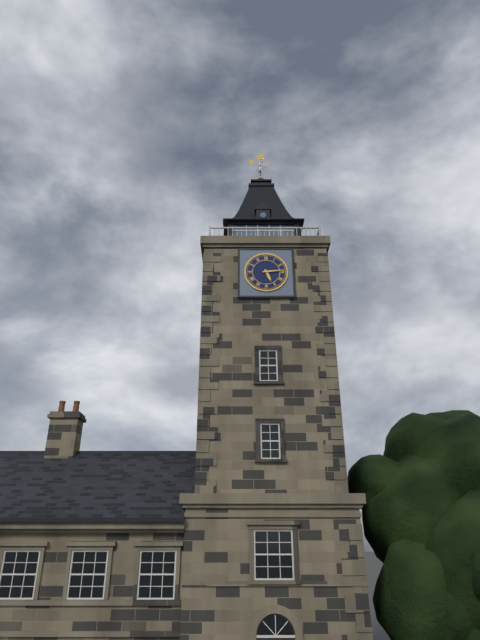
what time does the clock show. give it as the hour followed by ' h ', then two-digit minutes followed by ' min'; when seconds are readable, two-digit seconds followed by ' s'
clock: 5 h 14 min
